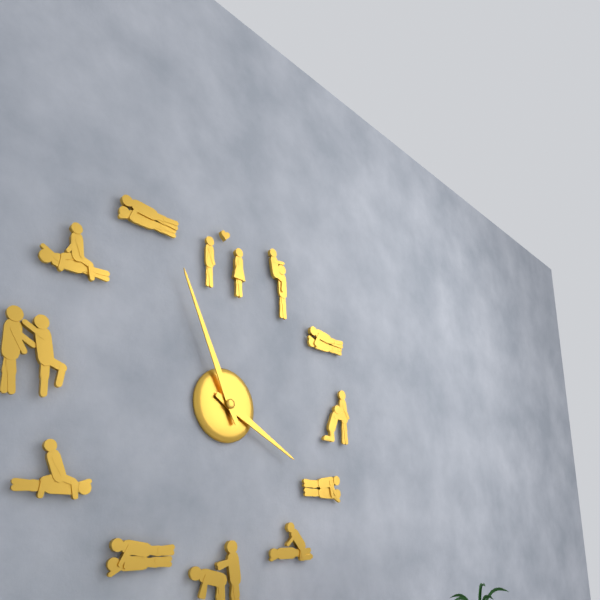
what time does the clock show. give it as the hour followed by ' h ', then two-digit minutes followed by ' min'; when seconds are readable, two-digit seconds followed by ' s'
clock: 3 h 56 min
